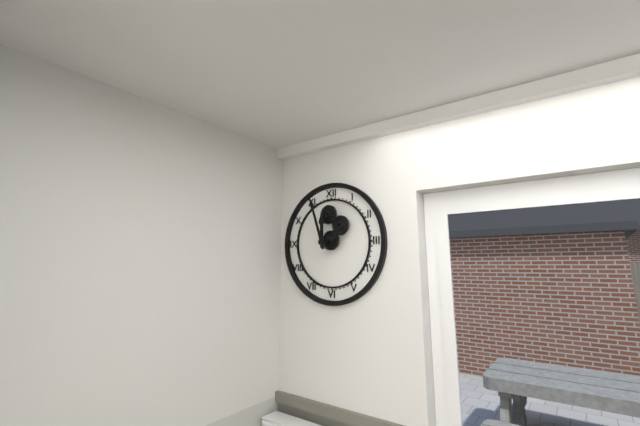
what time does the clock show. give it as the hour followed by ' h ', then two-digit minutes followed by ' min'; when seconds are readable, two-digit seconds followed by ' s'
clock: 11 h 57 min
